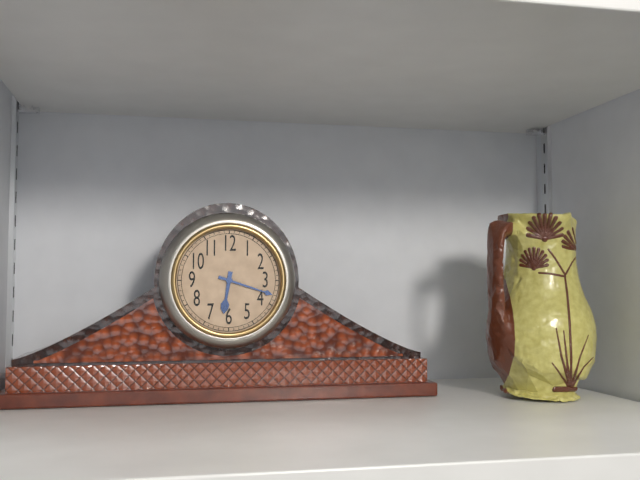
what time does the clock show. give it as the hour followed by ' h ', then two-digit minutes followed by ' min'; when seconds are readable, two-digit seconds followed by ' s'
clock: 6 h 18 min
